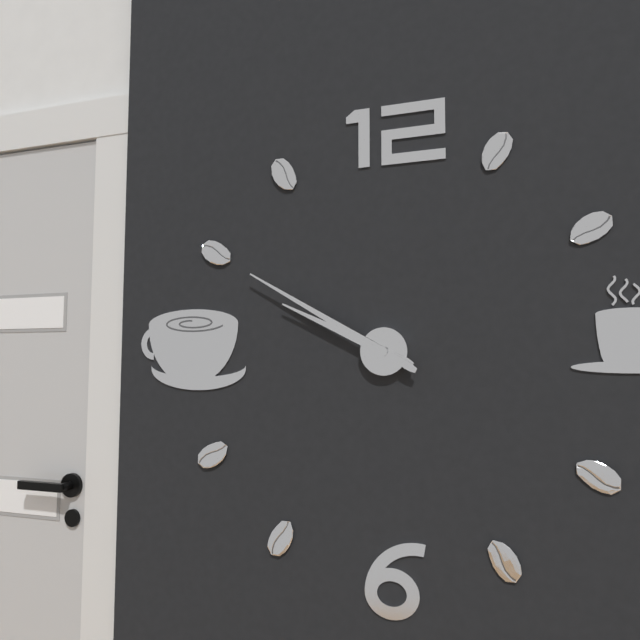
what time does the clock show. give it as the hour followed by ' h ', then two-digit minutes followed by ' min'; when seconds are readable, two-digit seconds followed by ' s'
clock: 9 h 50 min
